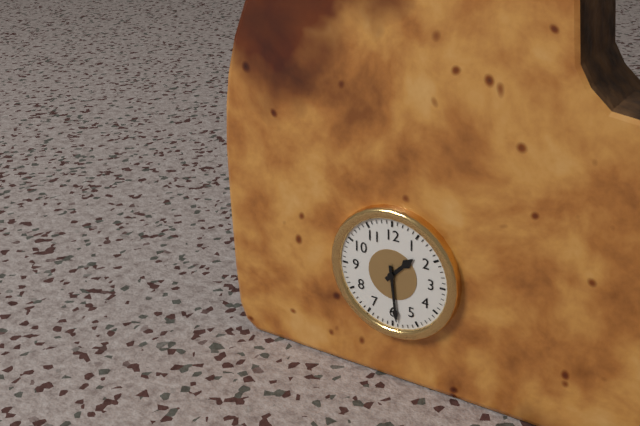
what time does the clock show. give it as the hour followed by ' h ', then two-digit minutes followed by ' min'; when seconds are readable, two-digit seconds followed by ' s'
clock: 1 h 29 min
